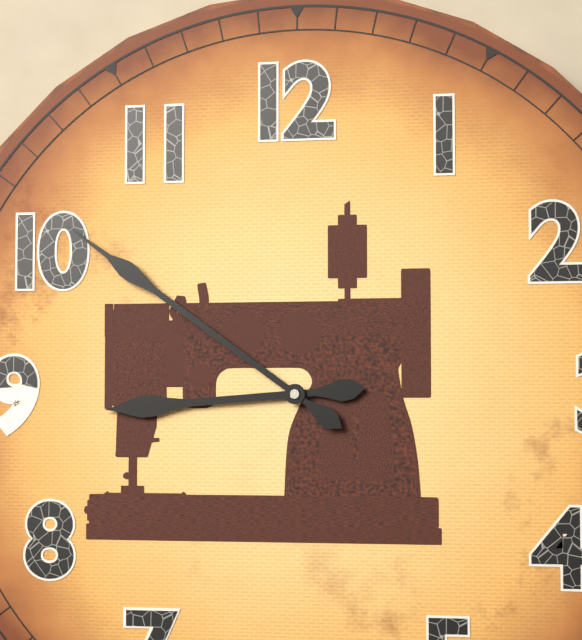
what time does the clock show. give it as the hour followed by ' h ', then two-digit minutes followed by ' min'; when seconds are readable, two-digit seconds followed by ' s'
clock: 8 h 51 min
